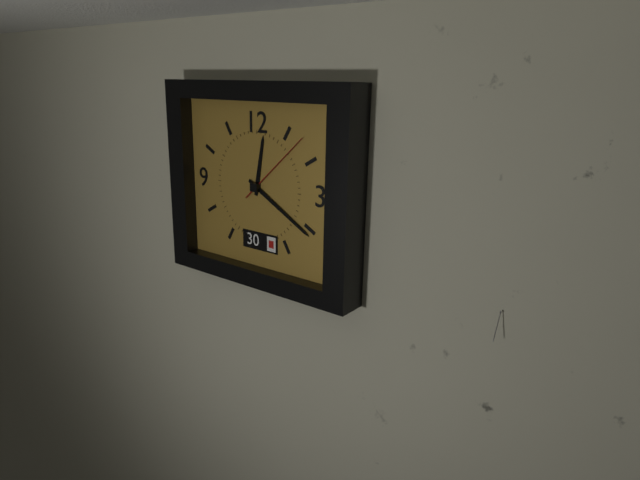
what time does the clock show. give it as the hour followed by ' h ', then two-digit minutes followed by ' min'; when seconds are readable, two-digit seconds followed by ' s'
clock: 12 h 20 min 08 s
